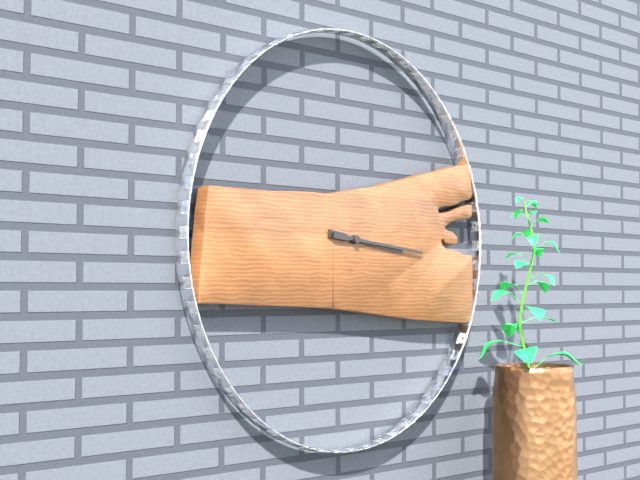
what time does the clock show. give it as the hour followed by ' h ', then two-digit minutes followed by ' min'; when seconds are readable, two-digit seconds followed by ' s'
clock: 3 h 16 min
